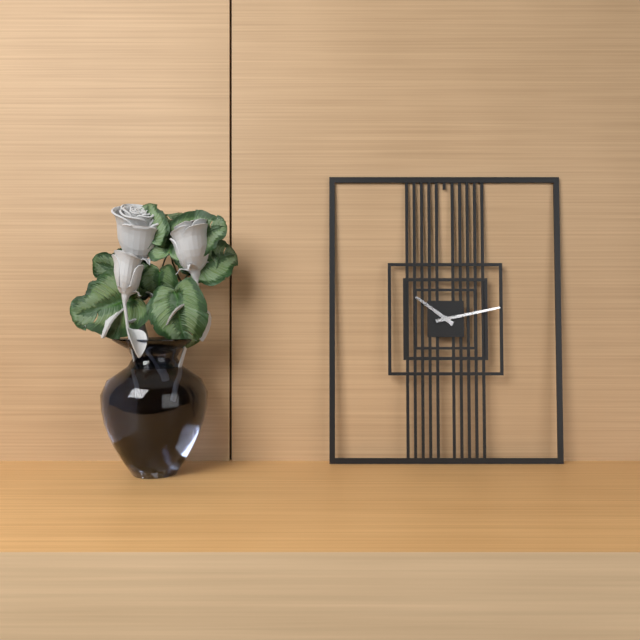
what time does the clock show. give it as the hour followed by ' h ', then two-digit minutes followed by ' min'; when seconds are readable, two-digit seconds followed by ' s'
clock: 10 h 13 min
